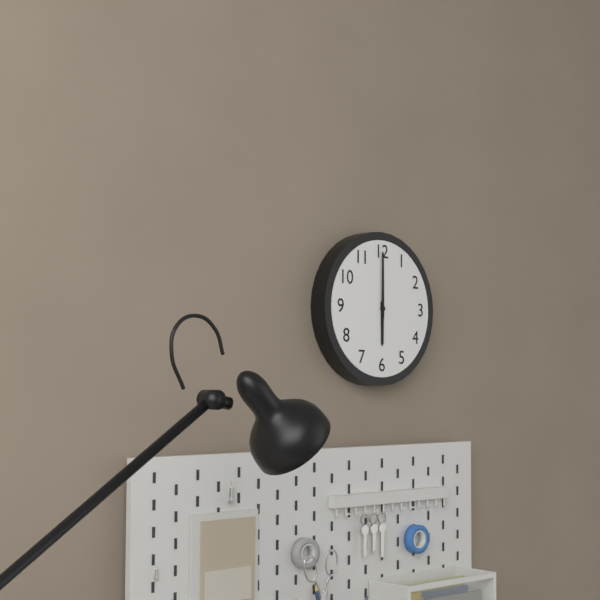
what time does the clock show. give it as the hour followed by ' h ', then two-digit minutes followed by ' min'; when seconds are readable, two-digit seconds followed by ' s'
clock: 6 h 00 min
